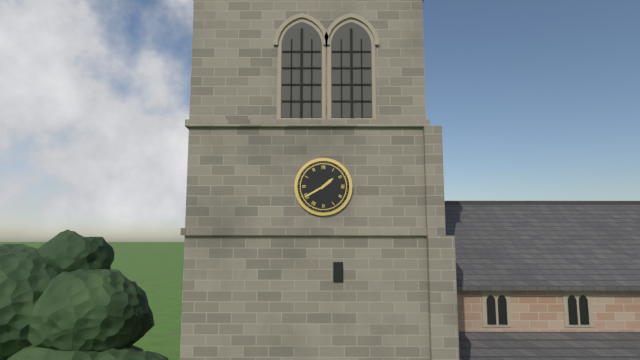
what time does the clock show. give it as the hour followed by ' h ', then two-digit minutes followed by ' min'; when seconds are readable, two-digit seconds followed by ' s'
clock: 1 h 40 min
